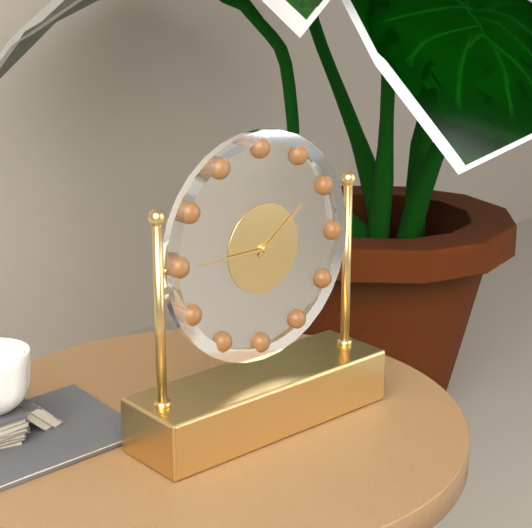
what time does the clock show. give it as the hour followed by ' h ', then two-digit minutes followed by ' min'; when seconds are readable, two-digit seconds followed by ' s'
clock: 1 h 45 min
